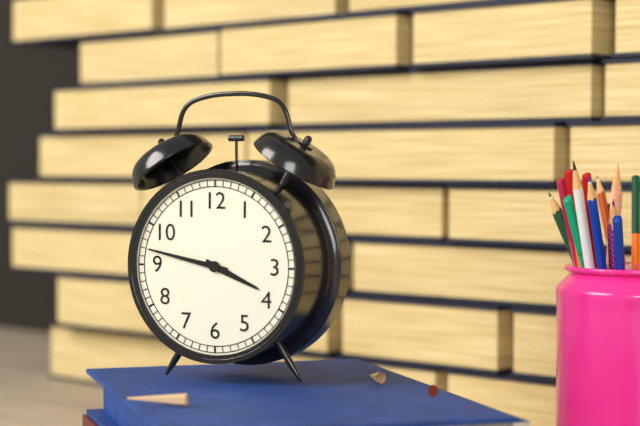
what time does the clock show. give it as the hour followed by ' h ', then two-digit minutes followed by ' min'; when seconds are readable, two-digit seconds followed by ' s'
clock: 3 h 47 min
